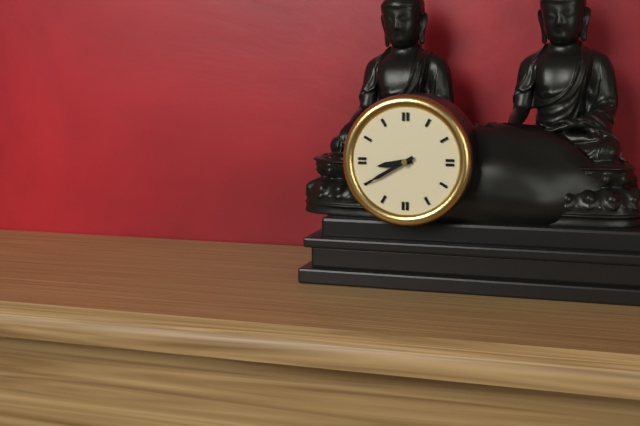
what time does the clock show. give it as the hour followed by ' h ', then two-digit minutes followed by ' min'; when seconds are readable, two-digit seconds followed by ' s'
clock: 8 h 40 min
